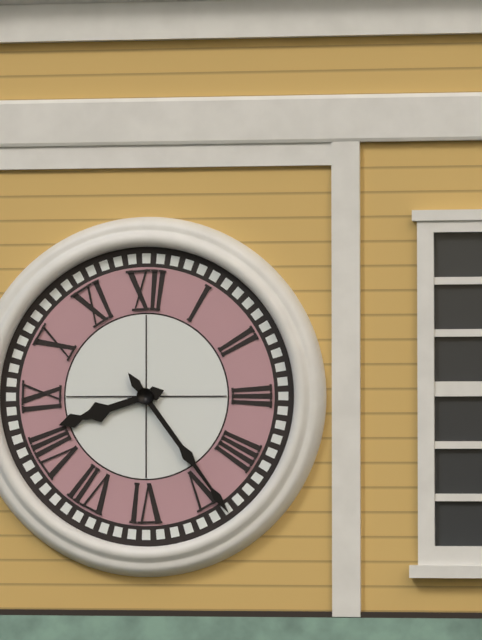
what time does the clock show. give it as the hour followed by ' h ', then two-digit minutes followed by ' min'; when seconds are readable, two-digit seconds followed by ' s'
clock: 8 h 24 min
